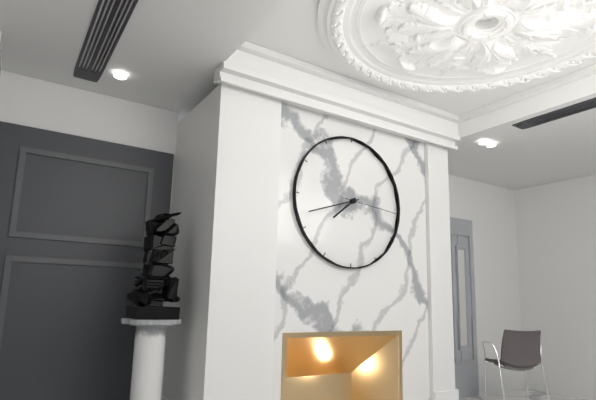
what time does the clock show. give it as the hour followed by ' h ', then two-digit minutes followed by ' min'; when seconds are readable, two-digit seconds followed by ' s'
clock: 7 h 42 min 16 s
